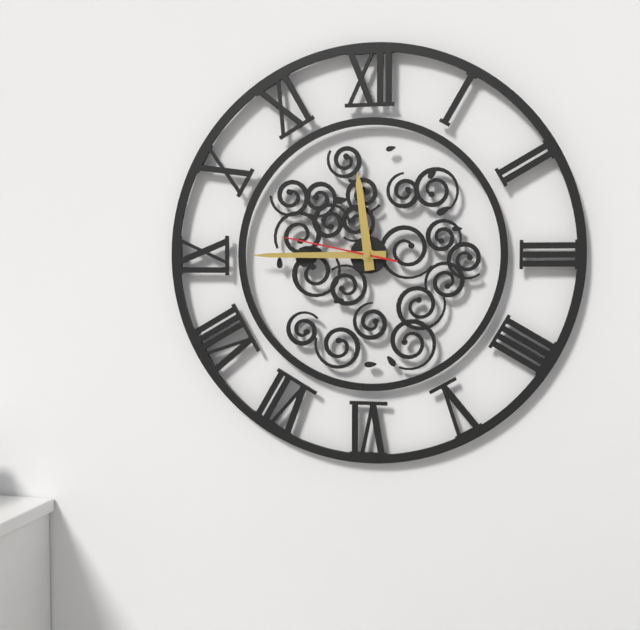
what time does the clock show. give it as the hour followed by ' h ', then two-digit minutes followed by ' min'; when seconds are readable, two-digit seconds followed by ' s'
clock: 11 h 45 min 47 s
